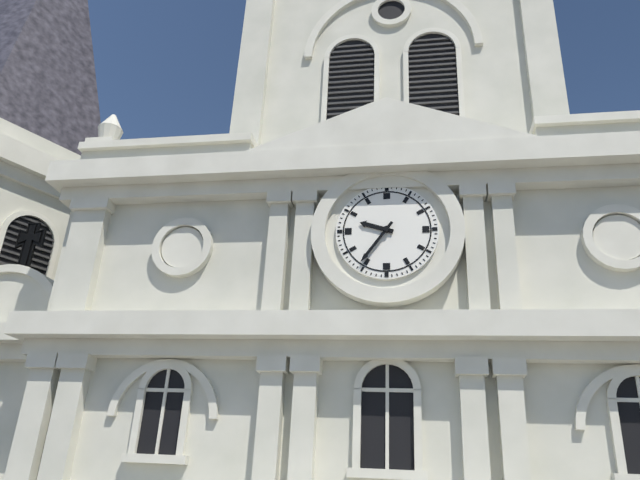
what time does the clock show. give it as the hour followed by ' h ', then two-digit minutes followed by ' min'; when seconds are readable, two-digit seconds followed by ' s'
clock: 9 h 36 min
